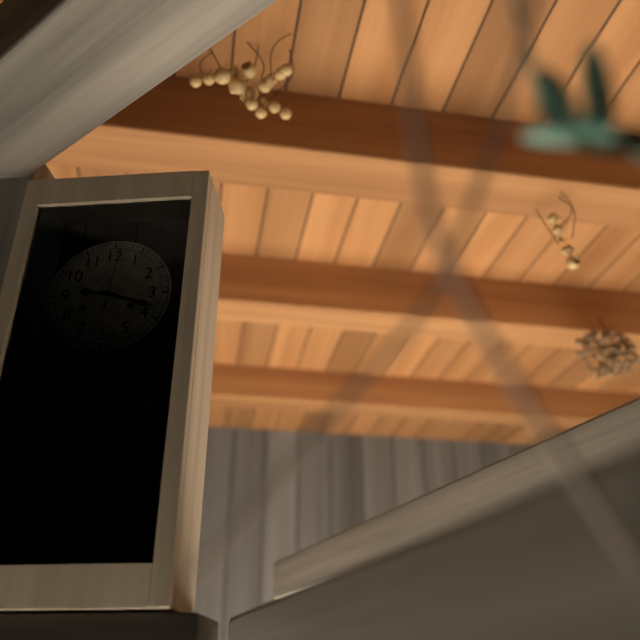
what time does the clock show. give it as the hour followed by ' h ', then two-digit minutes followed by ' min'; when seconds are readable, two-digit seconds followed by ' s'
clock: 9 h 18 min 01 s
